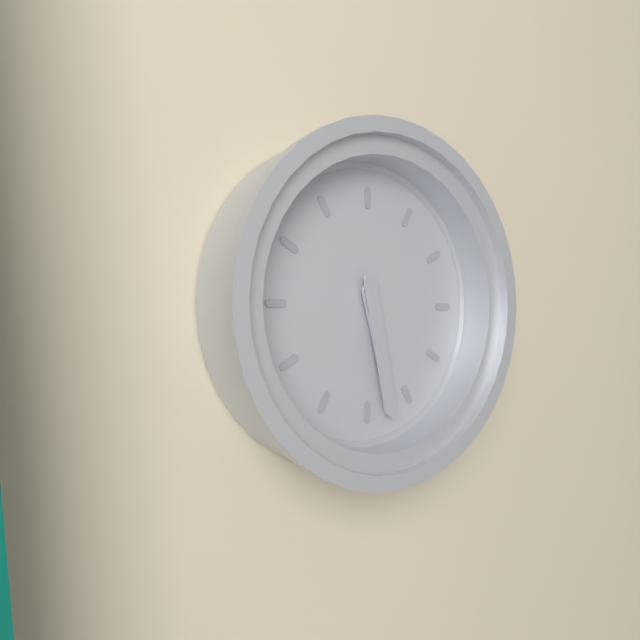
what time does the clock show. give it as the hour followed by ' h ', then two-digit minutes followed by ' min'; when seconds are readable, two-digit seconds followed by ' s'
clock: 5 h 28 min
